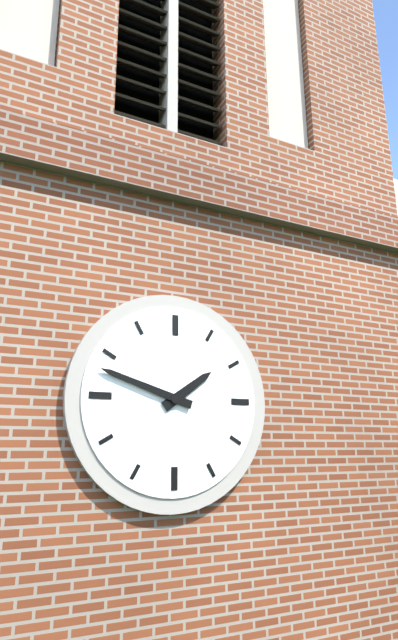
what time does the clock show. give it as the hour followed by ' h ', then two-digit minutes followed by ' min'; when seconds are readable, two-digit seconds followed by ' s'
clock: 1 h 48 min
